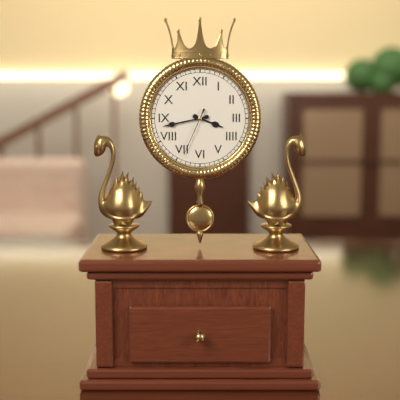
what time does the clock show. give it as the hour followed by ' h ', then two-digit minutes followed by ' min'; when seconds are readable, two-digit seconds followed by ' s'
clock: 3 h 43 min 34 s
